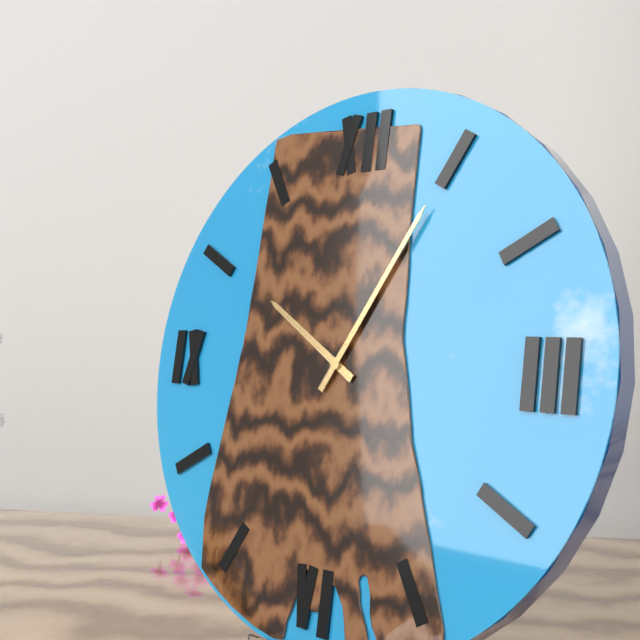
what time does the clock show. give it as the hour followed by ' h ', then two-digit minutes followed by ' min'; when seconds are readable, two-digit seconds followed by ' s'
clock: 10 h 05 min
